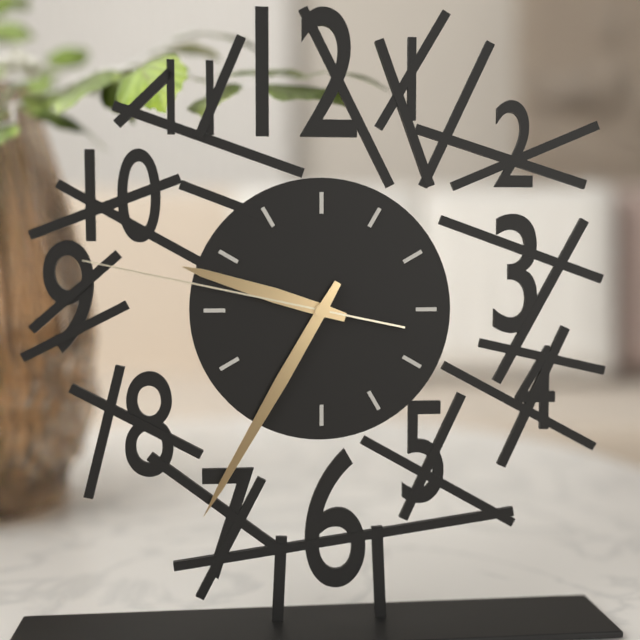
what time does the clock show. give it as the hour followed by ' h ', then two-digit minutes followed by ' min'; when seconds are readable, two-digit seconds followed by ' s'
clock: 9 h 35 min 47 s
